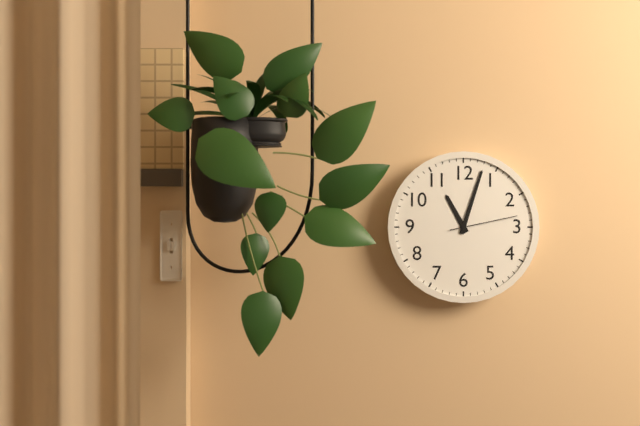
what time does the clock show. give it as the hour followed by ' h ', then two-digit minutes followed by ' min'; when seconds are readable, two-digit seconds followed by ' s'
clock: 11 h 03 min 13 s
